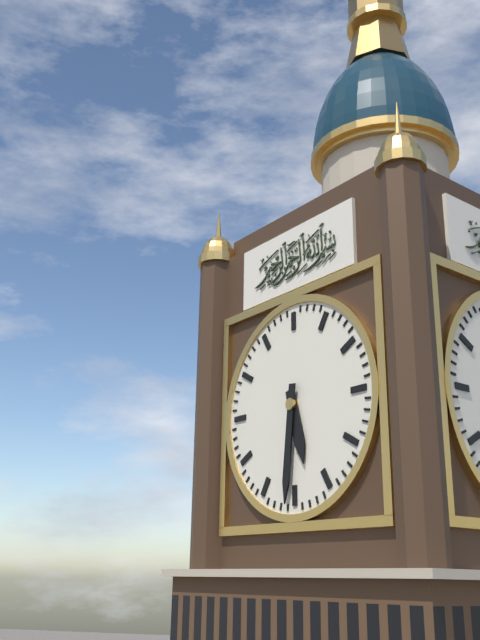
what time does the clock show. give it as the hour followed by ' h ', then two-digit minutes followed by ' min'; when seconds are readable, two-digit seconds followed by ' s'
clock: 5 h 31 min
